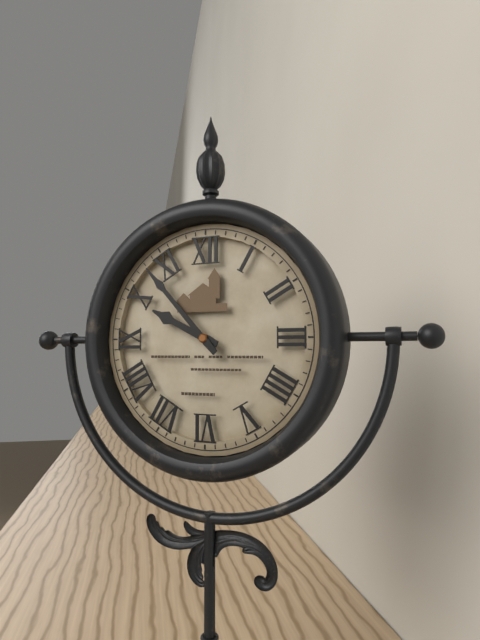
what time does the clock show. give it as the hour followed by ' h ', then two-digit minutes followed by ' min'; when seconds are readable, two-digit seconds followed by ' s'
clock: 9 h 53 min
